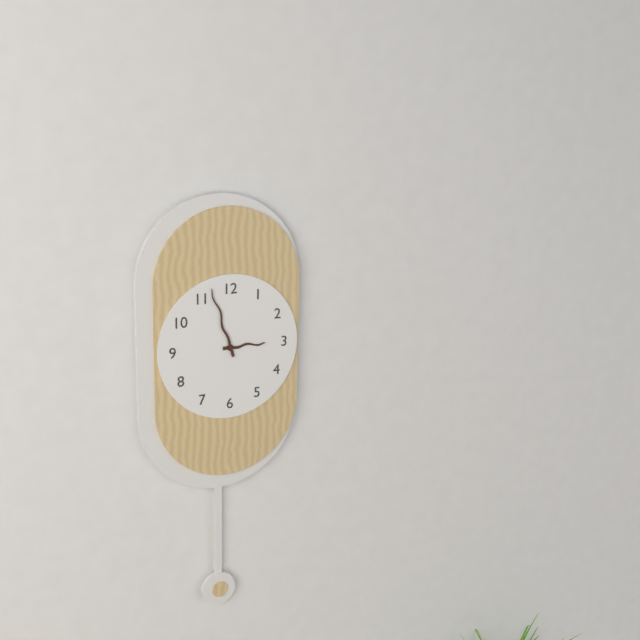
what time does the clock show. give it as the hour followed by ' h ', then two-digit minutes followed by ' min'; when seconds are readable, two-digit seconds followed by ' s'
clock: 2 h 57 min
